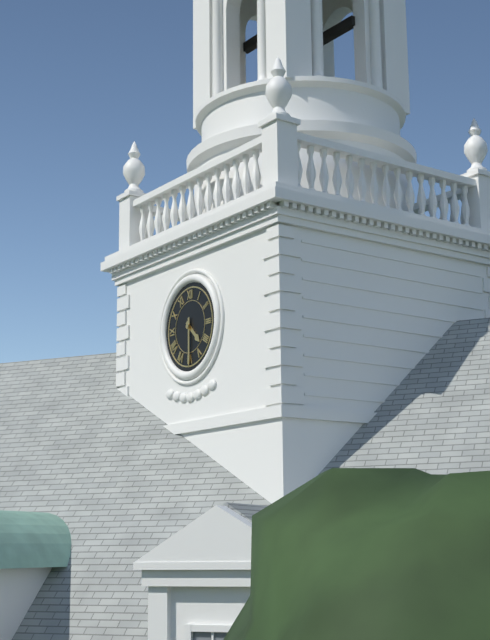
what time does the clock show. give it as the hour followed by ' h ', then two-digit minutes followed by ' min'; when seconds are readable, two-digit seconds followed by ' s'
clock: 4 h 30 min
